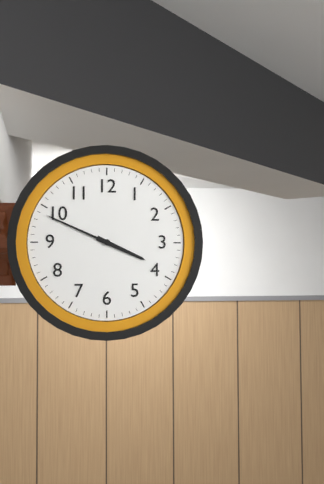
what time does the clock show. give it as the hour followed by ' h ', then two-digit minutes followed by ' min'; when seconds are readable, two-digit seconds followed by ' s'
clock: 3 h 49 min
